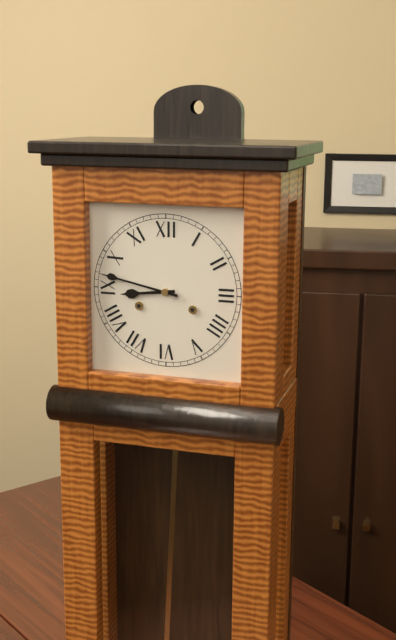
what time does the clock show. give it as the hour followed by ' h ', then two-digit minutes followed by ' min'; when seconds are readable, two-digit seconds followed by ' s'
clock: 8 h 47 min
